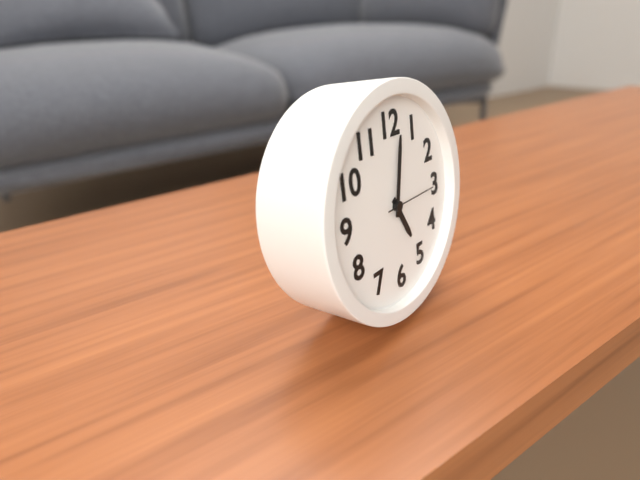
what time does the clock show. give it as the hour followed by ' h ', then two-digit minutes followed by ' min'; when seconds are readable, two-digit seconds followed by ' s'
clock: 5 h 02 min 15 s
